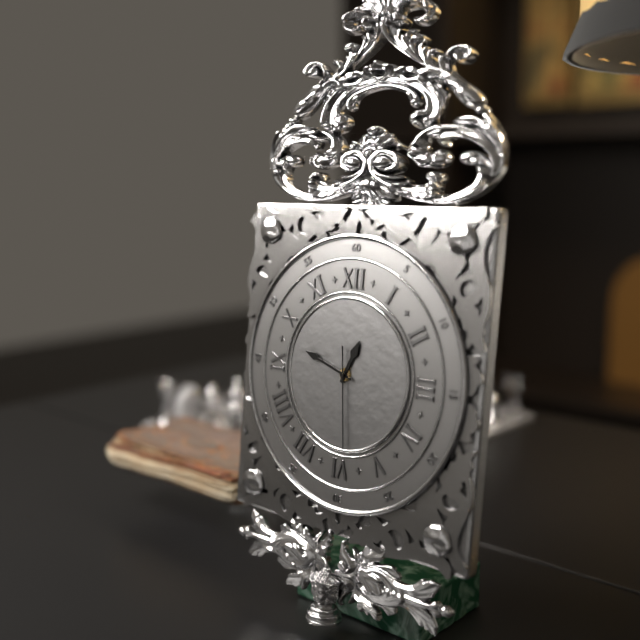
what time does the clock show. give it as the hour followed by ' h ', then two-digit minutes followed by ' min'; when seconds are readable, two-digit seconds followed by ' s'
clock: 12 h 48 min 29 s
